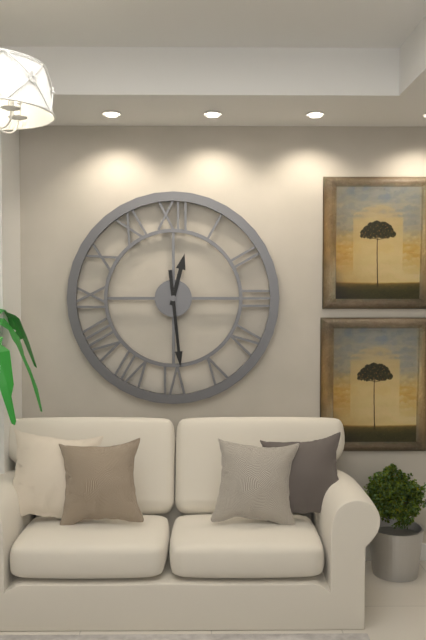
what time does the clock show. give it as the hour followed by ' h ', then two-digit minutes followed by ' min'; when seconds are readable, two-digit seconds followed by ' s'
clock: 12 h 29 min
